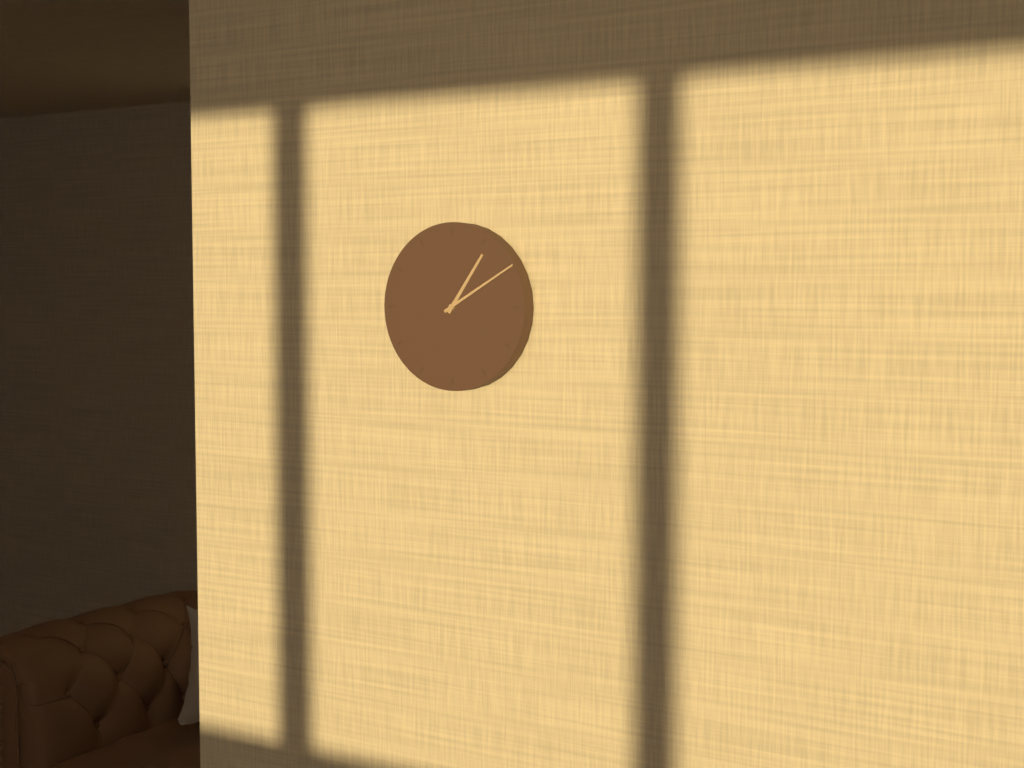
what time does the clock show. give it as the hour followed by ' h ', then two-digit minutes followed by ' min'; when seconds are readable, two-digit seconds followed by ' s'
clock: 1 h 10 min
